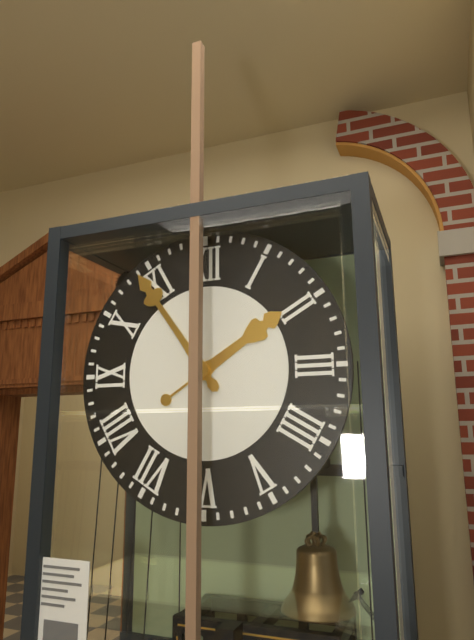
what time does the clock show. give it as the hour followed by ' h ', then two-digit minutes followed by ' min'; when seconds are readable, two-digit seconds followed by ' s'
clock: 1 h 54 min
